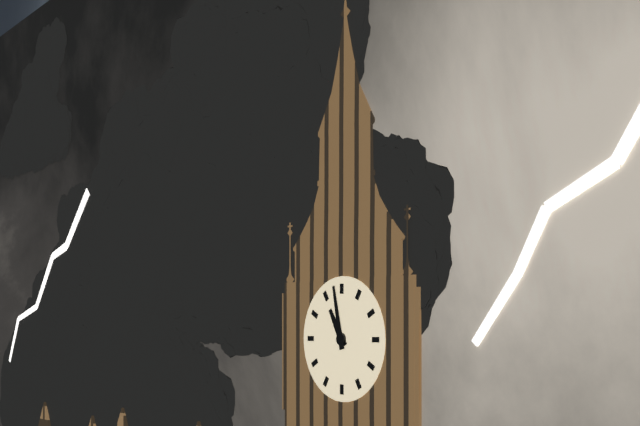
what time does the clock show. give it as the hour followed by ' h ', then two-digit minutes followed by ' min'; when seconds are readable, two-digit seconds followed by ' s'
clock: 10 h 58 min
